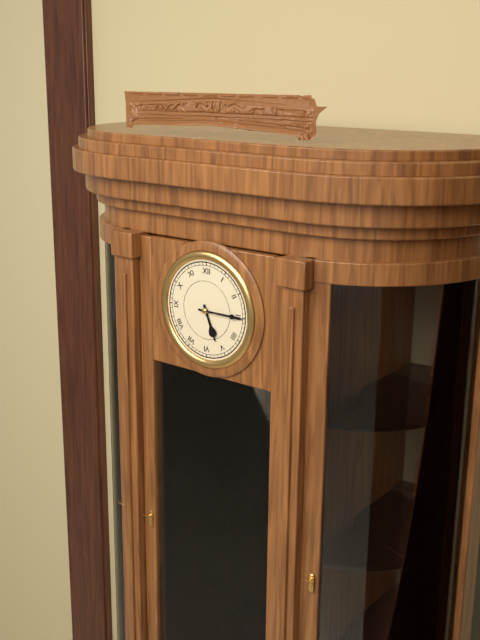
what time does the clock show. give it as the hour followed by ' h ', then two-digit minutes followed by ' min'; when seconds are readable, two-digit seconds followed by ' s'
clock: 5 h 15 min
